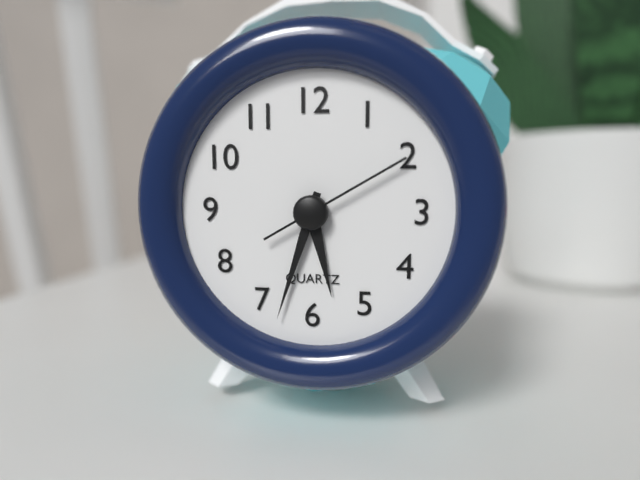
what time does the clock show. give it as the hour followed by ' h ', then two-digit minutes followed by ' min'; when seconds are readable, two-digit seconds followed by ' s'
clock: 5 h 33 min 10 s
